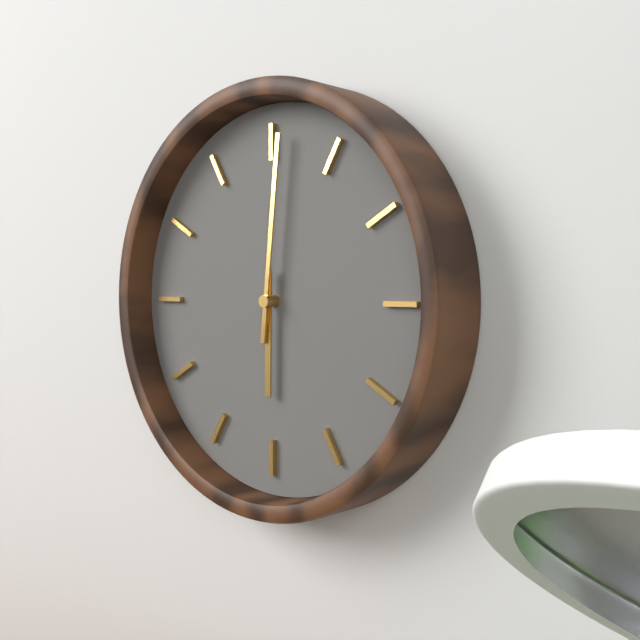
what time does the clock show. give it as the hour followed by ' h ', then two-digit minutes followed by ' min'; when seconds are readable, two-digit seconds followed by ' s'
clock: 6 h 01 min
